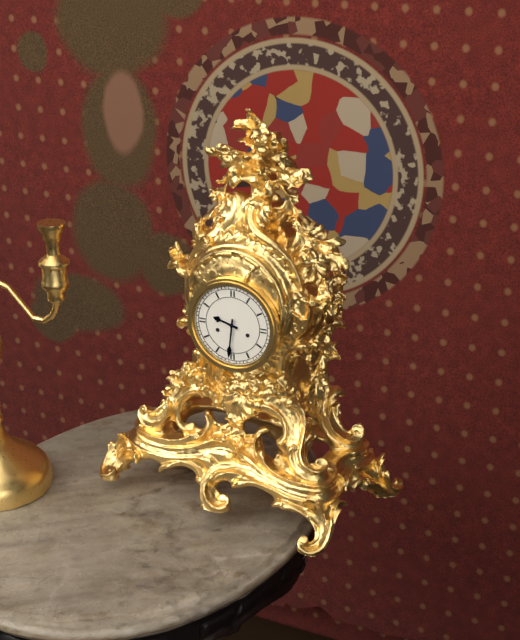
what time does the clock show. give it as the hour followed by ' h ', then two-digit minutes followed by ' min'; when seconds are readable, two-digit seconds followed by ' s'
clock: 9 h 31 min
